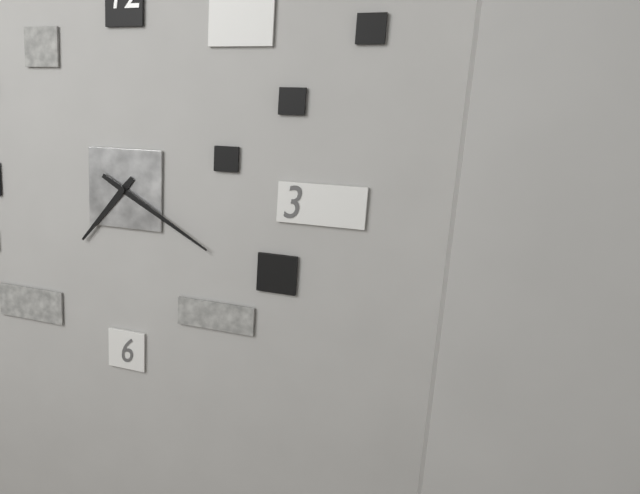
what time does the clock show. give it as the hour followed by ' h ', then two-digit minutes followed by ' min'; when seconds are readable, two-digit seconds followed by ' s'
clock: 7 h 20 min
